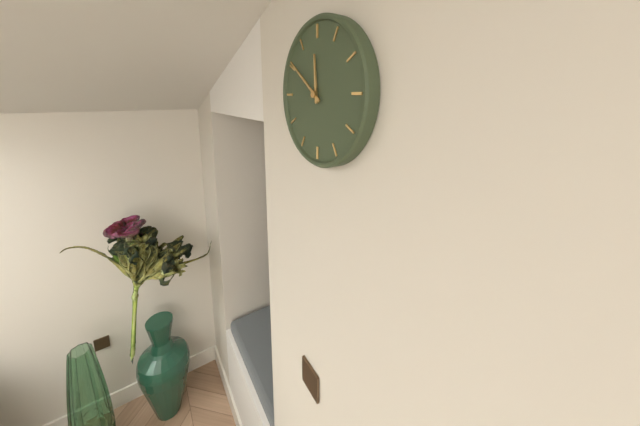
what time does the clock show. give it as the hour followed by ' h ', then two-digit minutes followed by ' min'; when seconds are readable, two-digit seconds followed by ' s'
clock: 11 h 51 min
